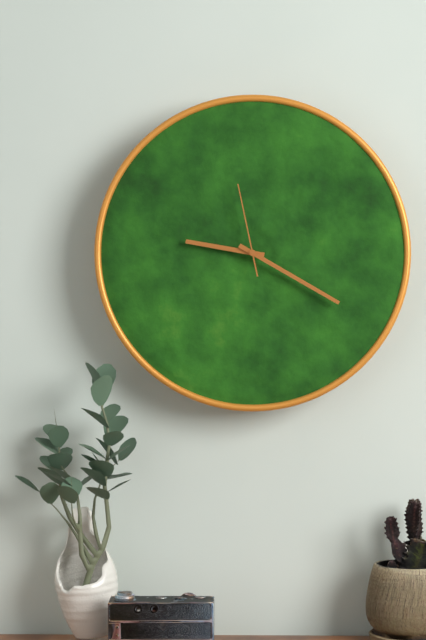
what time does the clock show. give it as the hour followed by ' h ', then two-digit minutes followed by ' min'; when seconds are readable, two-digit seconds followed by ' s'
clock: 9 h 20 min 58 s
